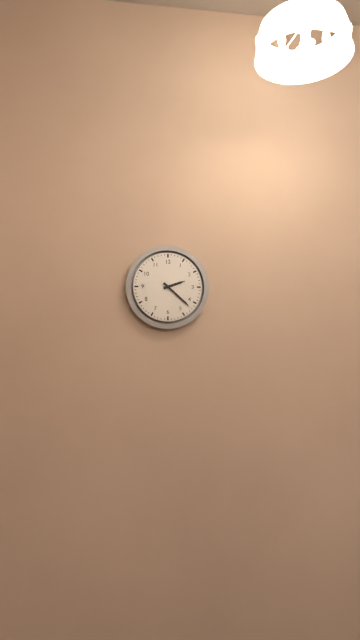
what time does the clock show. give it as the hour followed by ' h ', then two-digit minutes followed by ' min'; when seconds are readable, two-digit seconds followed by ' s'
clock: 2 h 22 min
